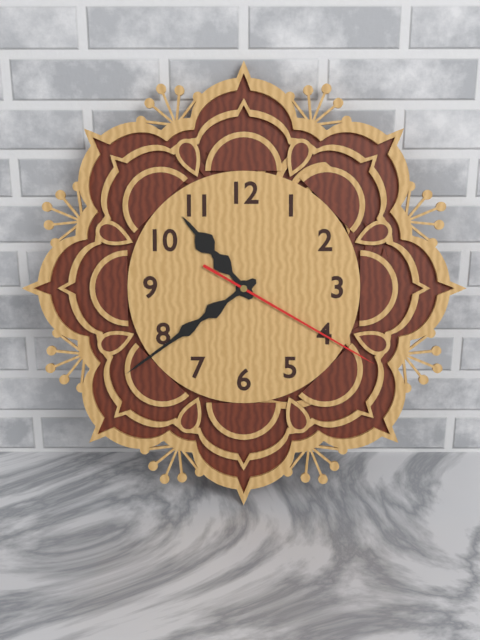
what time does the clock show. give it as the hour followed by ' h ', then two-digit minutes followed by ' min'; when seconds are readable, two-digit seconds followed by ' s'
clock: 10 h 39 min 20 s
